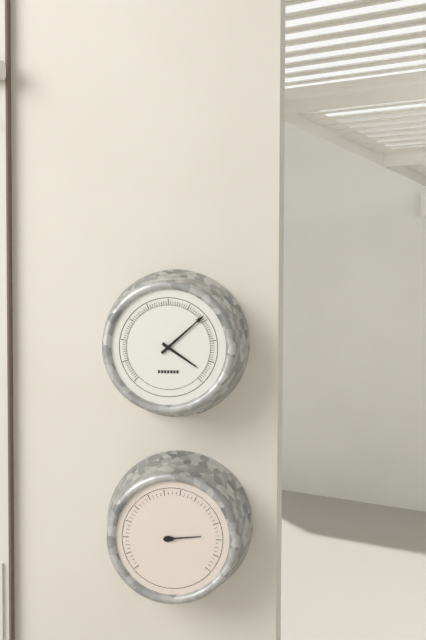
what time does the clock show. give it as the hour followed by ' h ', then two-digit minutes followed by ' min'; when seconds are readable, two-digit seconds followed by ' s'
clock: 4 h 08 min
